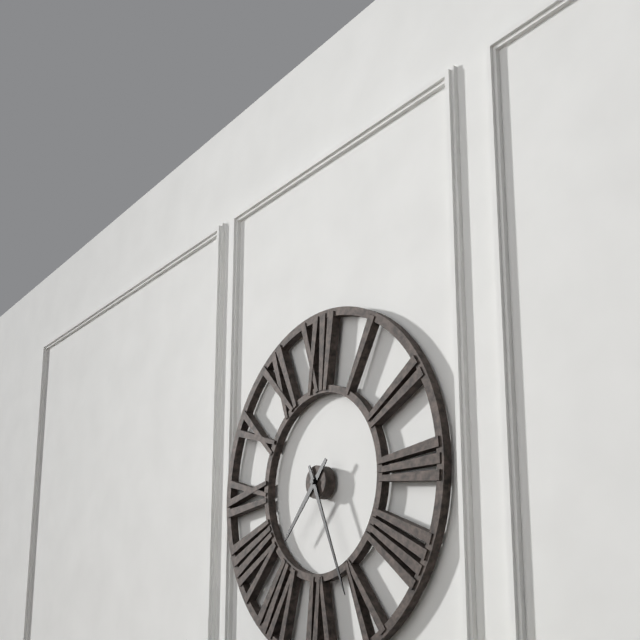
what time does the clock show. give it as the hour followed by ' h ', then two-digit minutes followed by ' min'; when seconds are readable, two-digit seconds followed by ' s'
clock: 7 h 26 min
